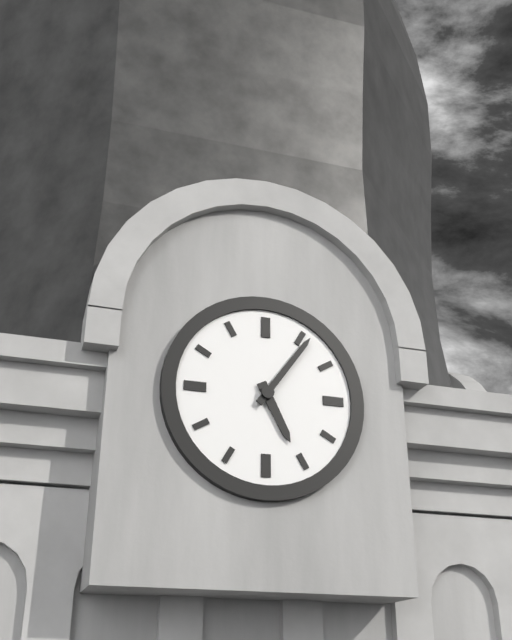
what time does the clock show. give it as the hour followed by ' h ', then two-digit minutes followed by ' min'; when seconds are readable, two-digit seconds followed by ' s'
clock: 5 h 06 min
